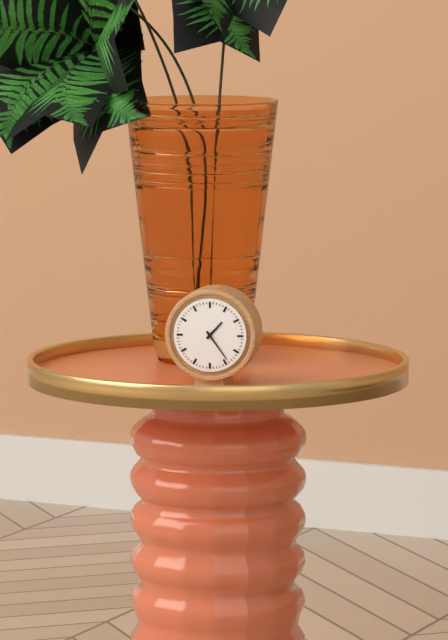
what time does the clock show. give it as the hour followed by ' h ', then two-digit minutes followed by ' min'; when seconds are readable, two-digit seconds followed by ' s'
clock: 1 h 24 min
